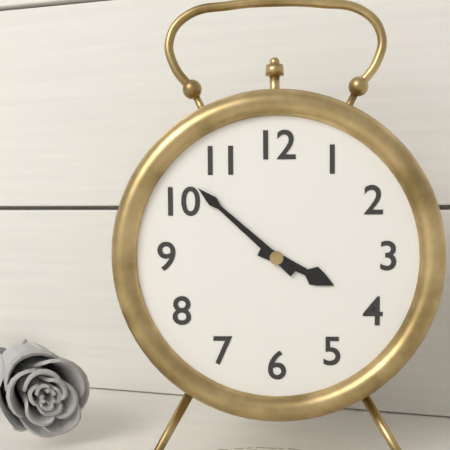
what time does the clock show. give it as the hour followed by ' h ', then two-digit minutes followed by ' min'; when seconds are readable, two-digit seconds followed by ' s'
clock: 3 h 52 min
